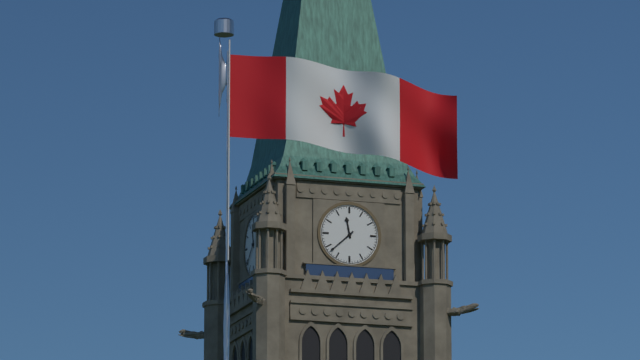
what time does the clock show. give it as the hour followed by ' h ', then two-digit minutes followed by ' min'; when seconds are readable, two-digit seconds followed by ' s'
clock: 11 h 38 min
